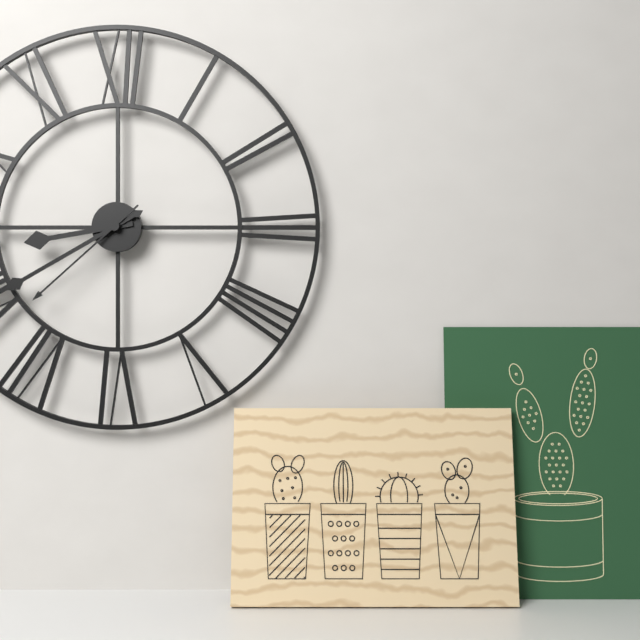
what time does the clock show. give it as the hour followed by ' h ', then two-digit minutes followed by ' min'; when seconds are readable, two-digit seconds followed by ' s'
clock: 8 h 40 min 38 s
